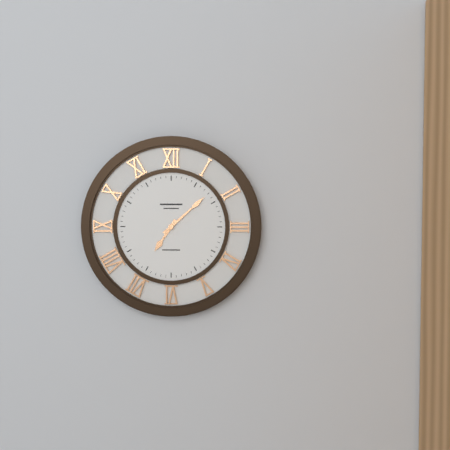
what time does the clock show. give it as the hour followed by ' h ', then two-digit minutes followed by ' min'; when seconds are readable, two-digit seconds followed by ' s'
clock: 7 h 08 min
